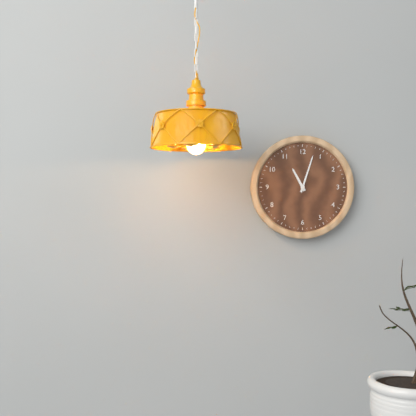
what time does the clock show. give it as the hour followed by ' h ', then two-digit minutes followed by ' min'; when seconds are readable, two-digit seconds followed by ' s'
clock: 11 h 03 min
